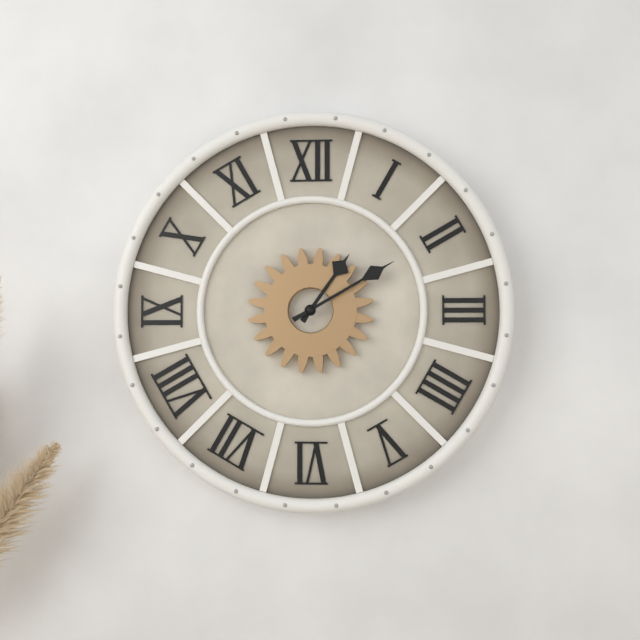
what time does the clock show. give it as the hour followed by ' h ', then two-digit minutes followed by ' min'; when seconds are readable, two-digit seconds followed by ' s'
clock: 1 h 10 min
